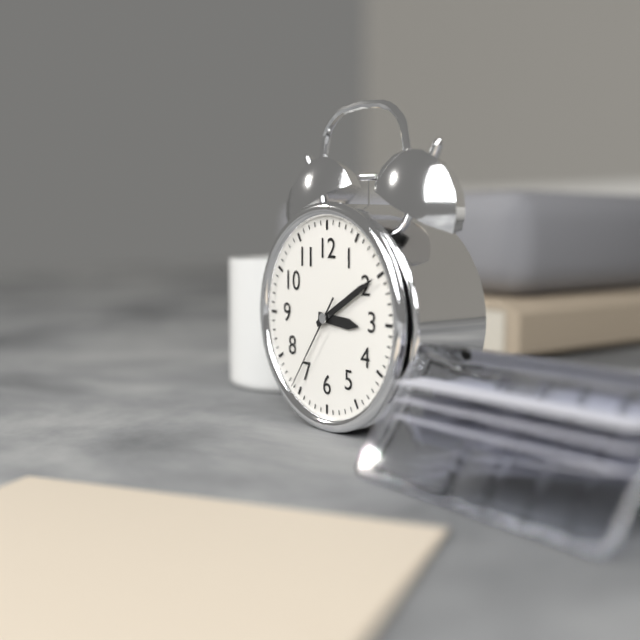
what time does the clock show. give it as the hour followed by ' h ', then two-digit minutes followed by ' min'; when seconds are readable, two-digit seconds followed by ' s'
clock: 3 h 10 min 36 s
